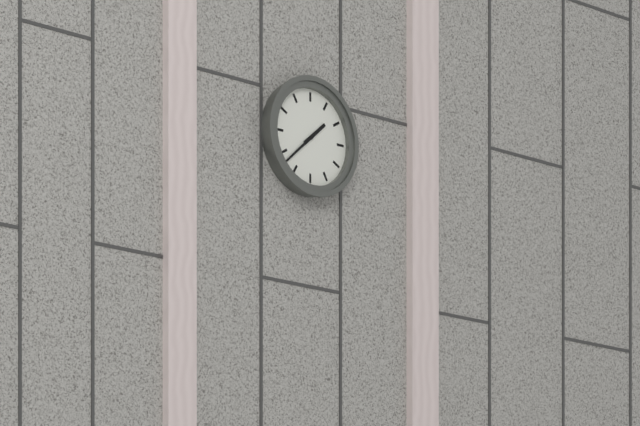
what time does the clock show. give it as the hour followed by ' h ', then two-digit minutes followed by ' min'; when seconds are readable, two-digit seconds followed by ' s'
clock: 1 h 38 min
